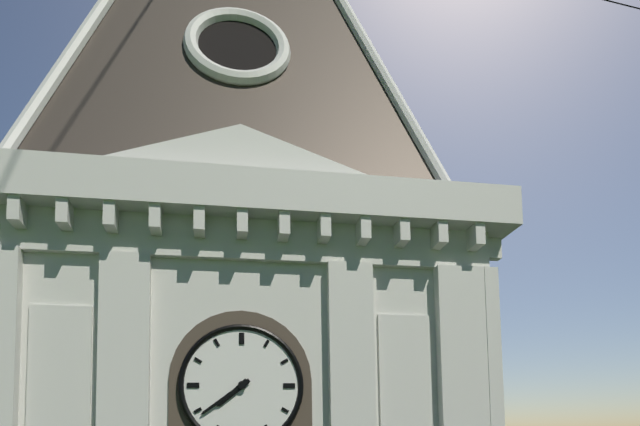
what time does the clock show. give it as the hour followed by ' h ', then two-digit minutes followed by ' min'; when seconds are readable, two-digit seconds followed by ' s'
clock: 7 h 39 min
